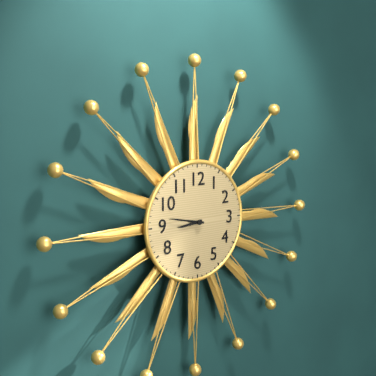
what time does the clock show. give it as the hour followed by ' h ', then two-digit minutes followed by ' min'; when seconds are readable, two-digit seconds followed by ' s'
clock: 8 h 47 min
